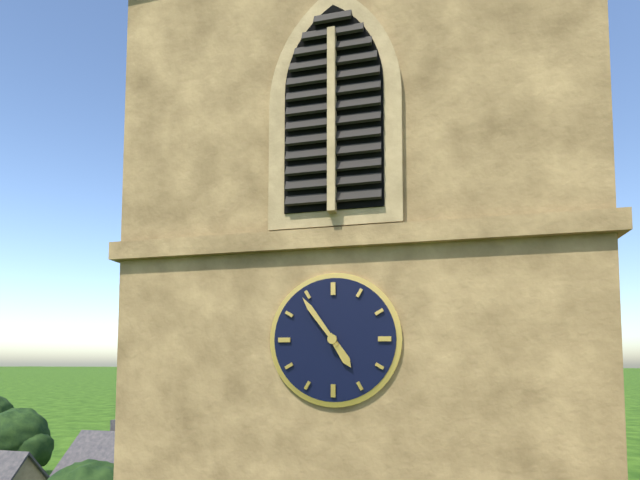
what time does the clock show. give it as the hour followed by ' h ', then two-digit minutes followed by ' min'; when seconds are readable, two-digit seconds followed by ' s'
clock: 4 h 54 min
